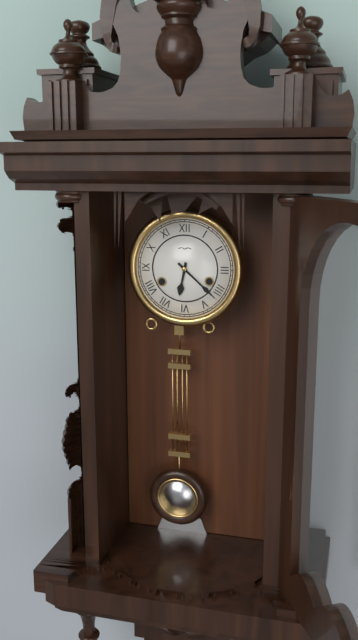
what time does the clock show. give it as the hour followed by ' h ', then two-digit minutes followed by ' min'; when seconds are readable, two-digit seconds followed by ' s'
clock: 6 h 22 min
